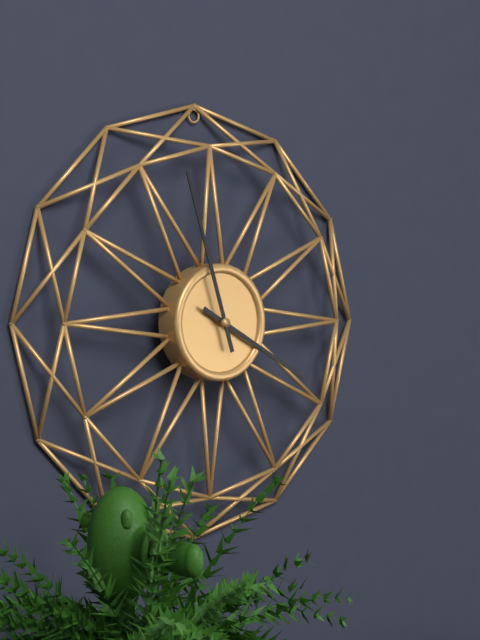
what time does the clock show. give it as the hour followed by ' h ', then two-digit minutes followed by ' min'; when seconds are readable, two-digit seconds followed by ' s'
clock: 3 h 57 min
